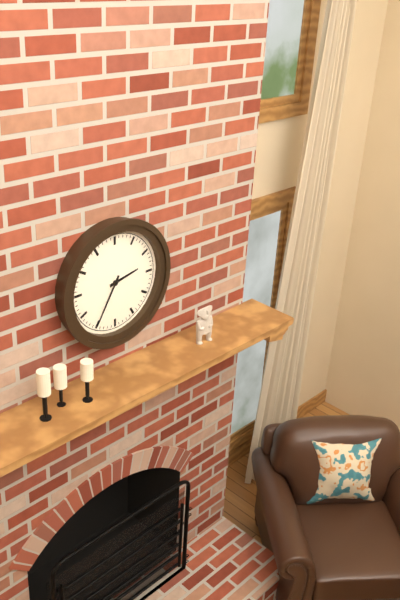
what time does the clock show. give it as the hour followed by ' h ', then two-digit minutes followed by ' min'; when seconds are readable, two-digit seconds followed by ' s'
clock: 2 h 35 min
